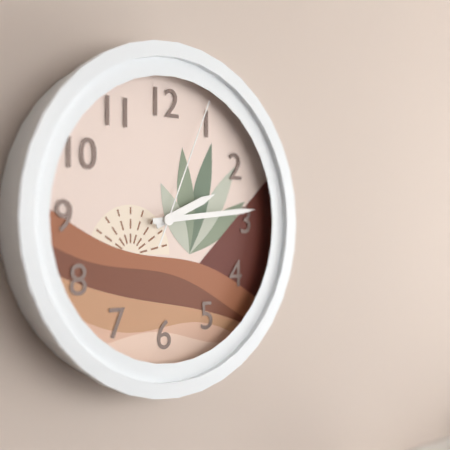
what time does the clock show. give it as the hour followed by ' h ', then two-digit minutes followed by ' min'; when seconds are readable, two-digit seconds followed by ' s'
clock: 2 h 14 min 04 s
